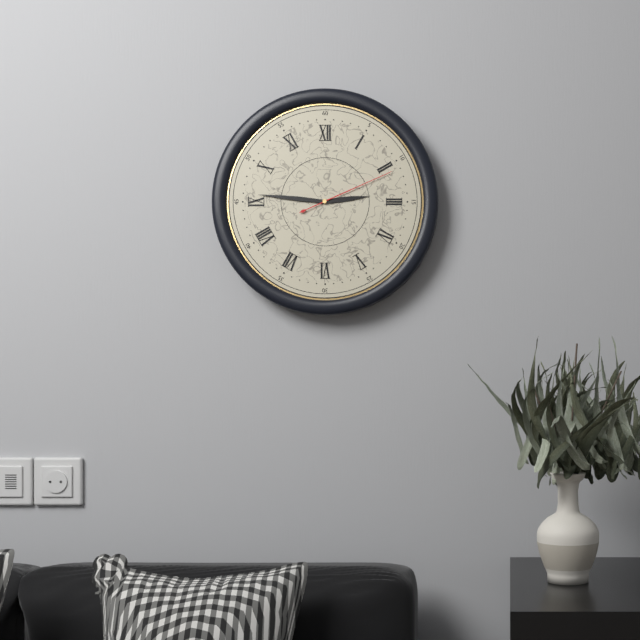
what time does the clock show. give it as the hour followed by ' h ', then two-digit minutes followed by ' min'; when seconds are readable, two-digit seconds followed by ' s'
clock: 2 h 46 min 11 s
